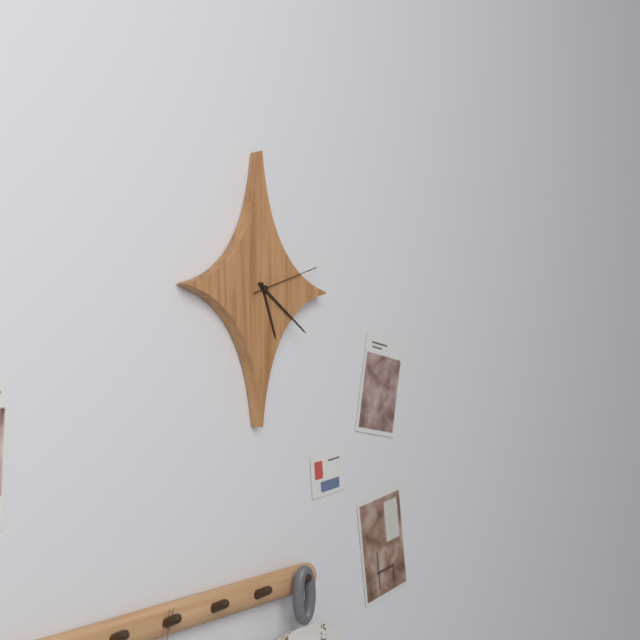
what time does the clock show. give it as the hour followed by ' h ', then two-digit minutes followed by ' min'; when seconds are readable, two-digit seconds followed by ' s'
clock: 5 h 21 min 12 s
